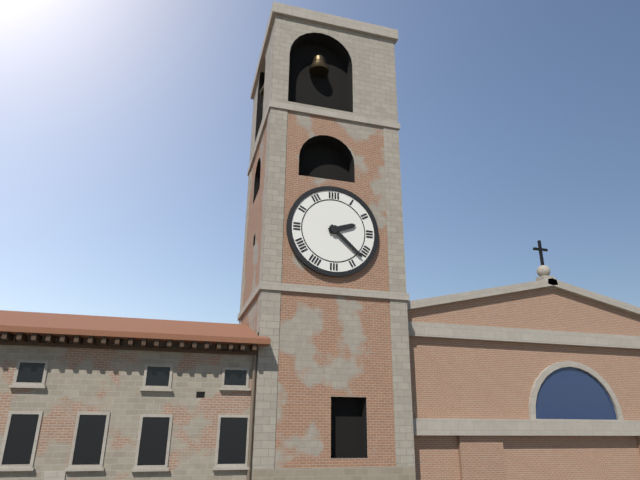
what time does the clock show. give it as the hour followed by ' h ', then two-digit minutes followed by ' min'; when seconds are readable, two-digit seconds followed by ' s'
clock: 2 h 22 min
